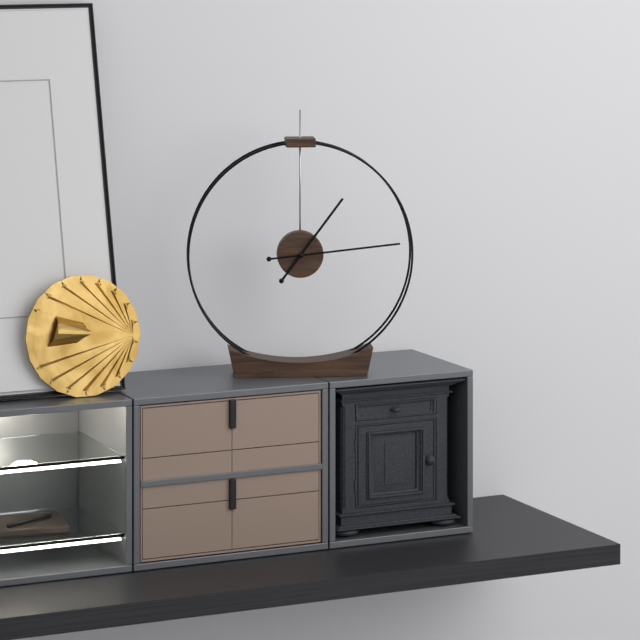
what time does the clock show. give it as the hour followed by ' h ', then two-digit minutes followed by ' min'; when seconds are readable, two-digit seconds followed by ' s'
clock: 1 h 14 min
